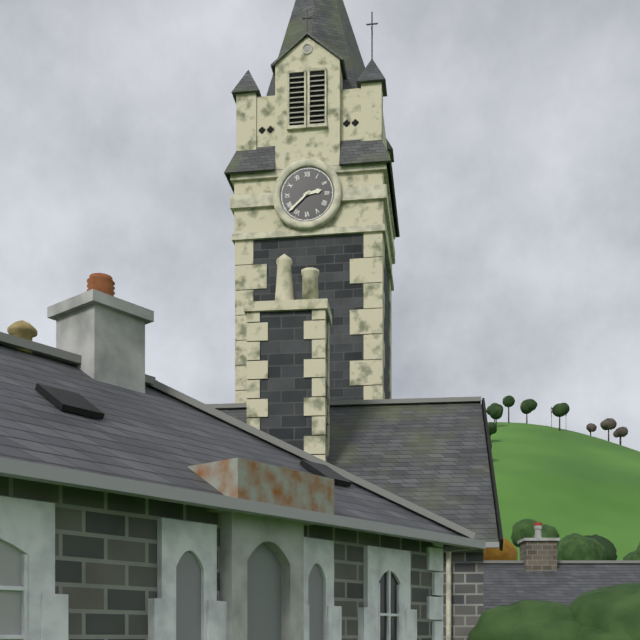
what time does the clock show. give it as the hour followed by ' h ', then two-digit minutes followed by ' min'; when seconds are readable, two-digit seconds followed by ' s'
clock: 2 h 38 min
